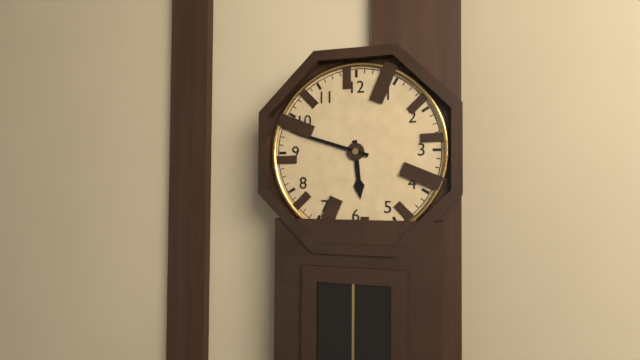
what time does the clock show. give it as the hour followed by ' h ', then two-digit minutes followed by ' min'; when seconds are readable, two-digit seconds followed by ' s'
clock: 5 h 48 min
